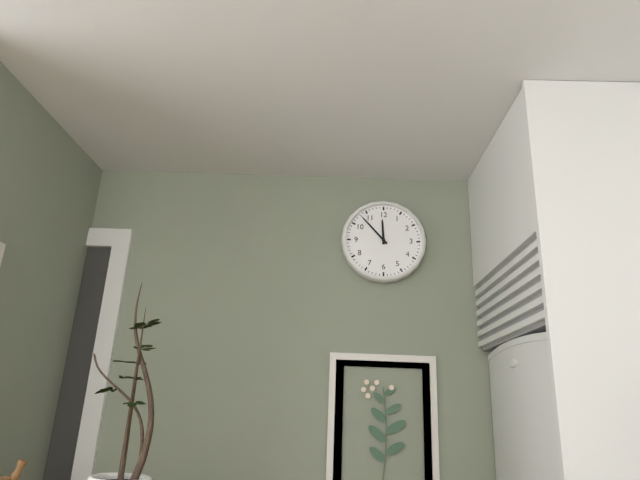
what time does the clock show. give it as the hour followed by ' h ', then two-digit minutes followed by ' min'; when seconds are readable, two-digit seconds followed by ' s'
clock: 11 h 53 min
